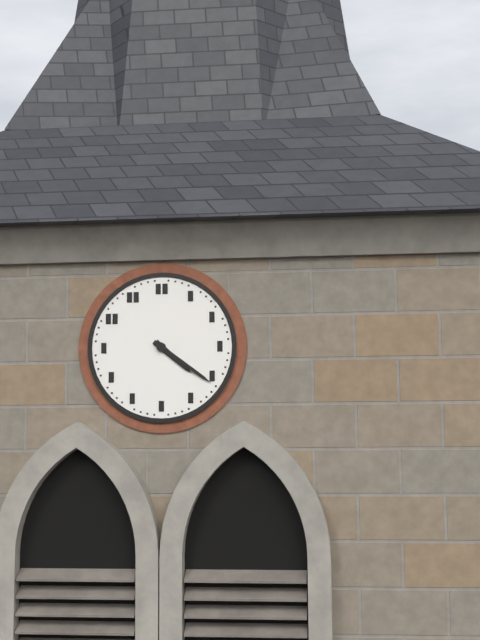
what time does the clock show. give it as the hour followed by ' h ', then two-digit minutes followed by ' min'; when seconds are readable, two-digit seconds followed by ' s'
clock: 4 h 21 min
